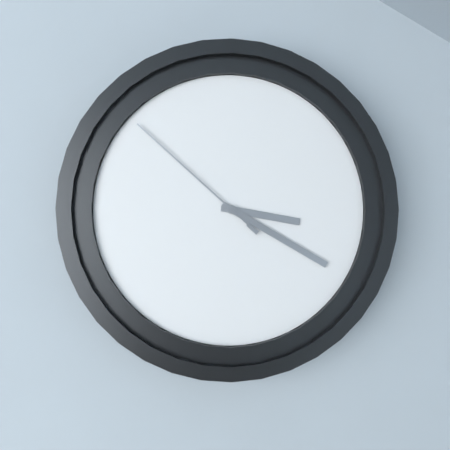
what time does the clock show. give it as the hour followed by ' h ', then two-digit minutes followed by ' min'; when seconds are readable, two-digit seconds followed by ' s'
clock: 3 h 20 min 52 s
